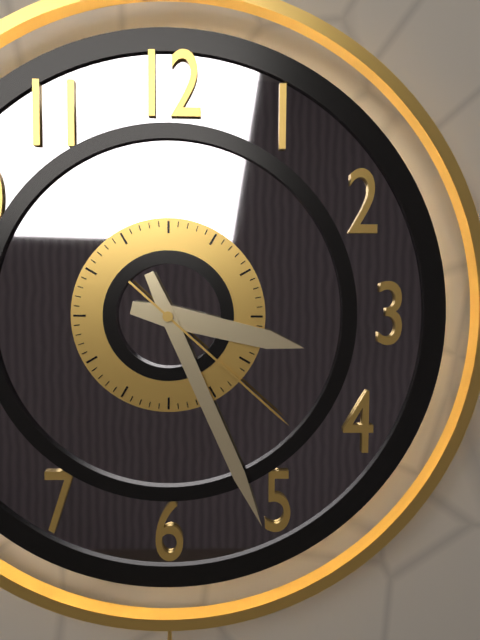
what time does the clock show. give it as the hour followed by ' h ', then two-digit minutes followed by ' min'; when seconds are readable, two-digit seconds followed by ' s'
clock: 3 h 26 min 22 s
